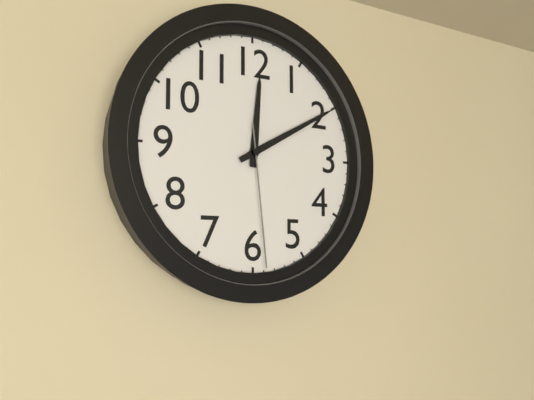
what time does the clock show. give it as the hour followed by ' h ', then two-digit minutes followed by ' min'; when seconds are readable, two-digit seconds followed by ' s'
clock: 12 h 10 min 29 s
